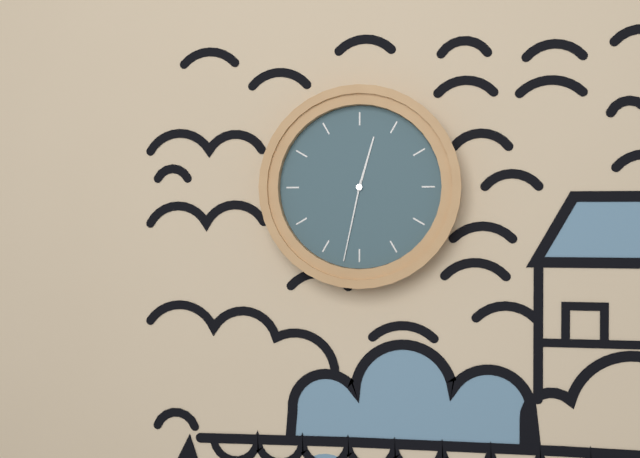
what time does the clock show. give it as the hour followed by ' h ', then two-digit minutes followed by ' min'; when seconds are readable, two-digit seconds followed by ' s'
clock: 12 h 32 min
